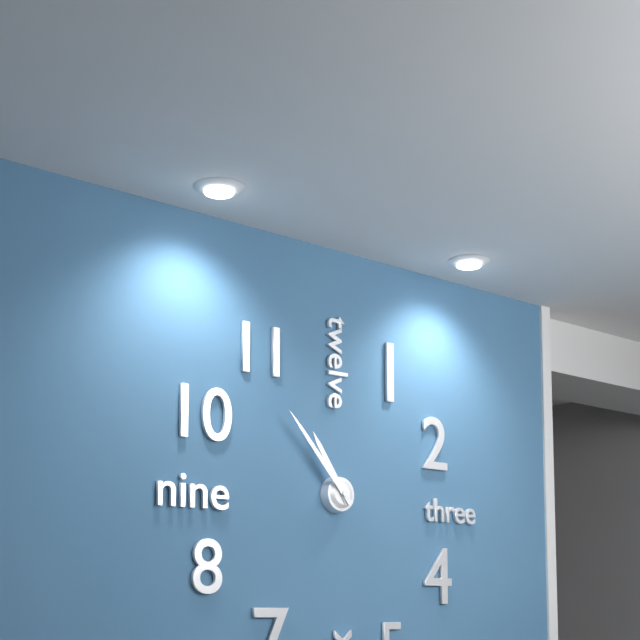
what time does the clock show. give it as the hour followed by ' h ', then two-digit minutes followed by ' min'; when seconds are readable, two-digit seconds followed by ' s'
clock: 10 h 53 min
